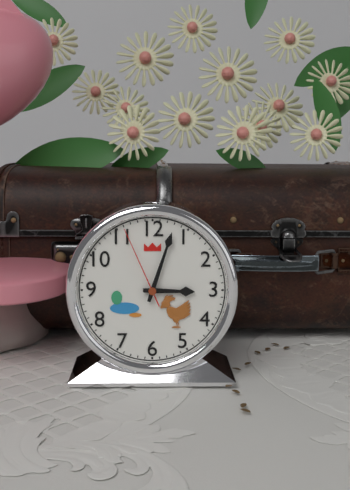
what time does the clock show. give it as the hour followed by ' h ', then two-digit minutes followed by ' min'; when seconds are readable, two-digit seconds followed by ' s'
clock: 3 h 03 min 56 s
